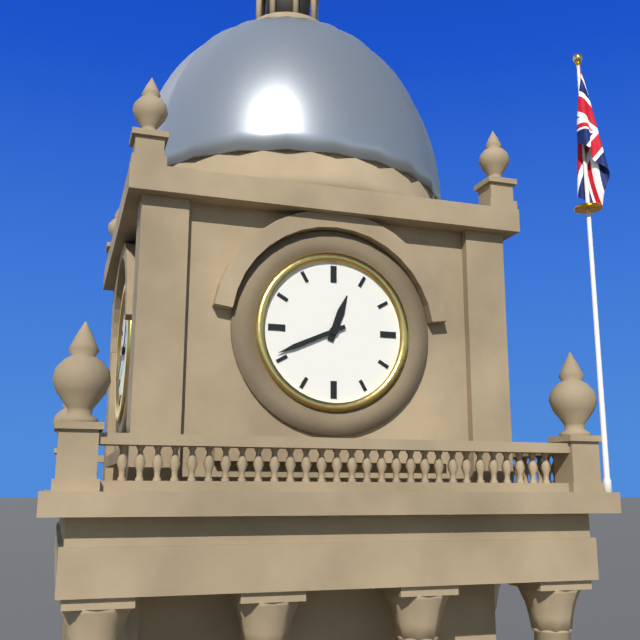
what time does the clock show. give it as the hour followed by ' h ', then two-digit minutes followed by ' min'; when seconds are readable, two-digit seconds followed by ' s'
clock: 12 h 41 min
